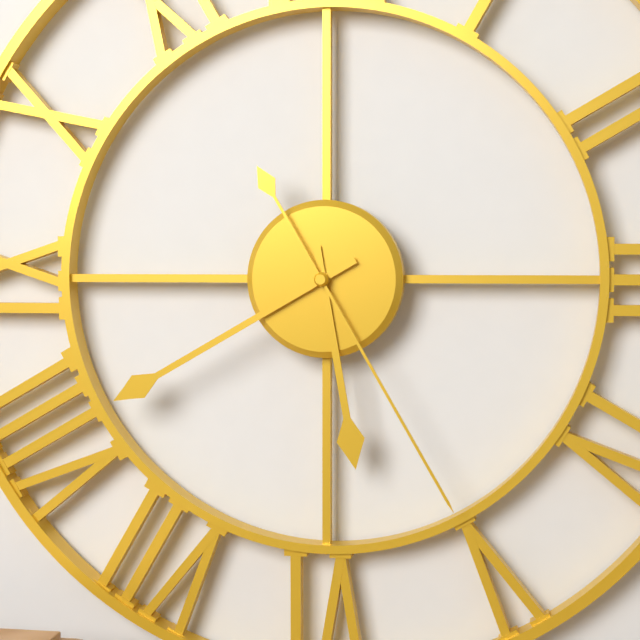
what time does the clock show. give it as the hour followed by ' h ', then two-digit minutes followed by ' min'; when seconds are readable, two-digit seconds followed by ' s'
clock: 5 h 40 min 25 s
